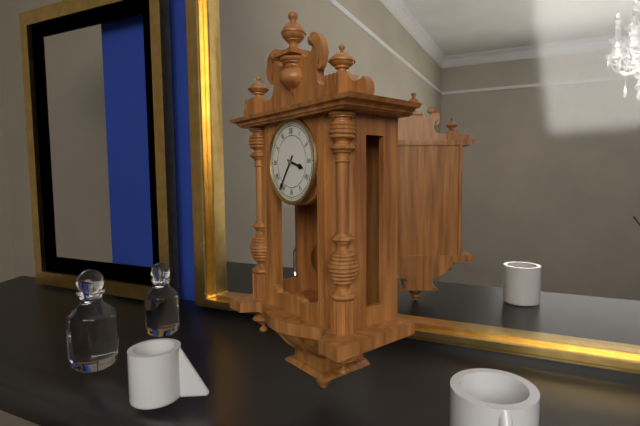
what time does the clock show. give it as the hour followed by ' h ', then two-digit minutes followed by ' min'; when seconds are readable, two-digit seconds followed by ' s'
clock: 3 h 36 min
